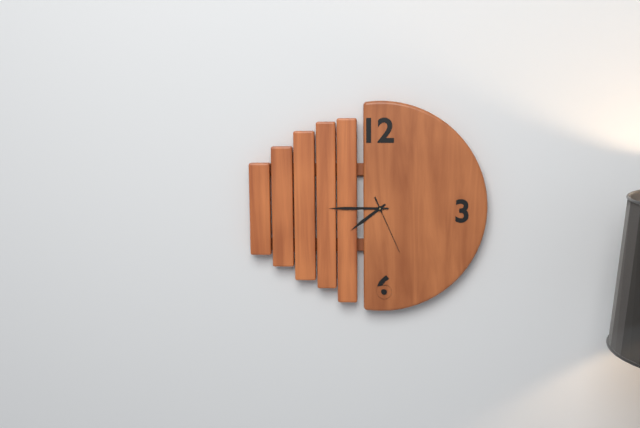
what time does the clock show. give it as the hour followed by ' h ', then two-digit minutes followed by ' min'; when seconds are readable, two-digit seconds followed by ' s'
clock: 7 h 45 min 26 s
